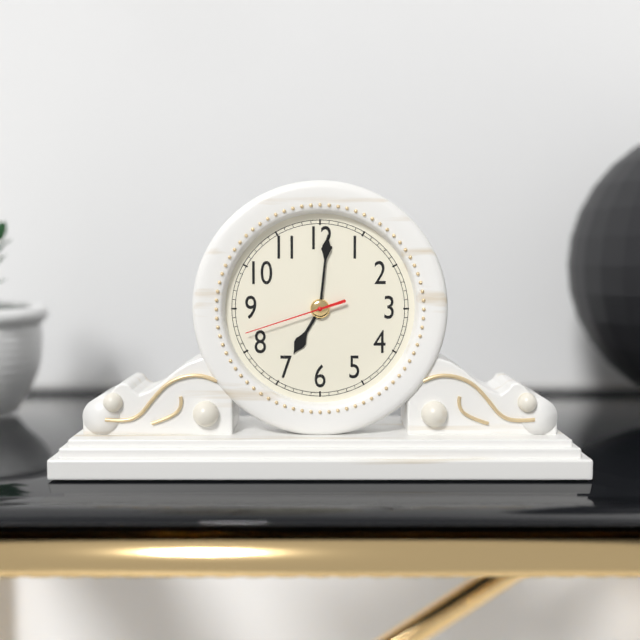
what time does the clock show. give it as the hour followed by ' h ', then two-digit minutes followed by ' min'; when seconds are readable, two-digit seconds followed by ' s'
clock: 7 h 01 min 42 s
